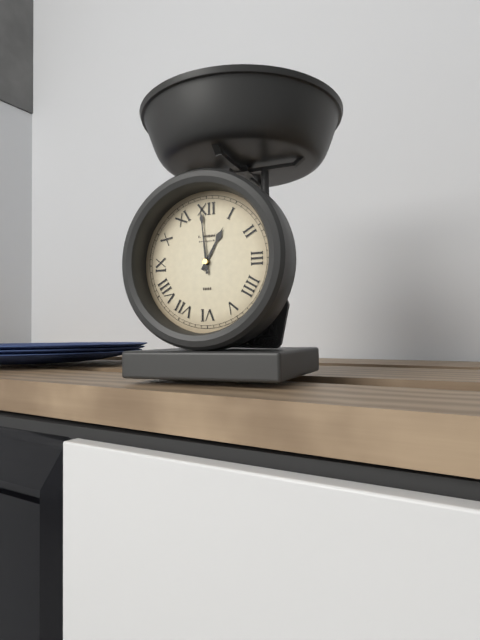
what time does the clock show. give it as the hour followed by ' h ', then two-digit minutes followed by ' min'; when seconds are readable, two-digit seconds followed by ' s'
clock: 12 h 59 min
